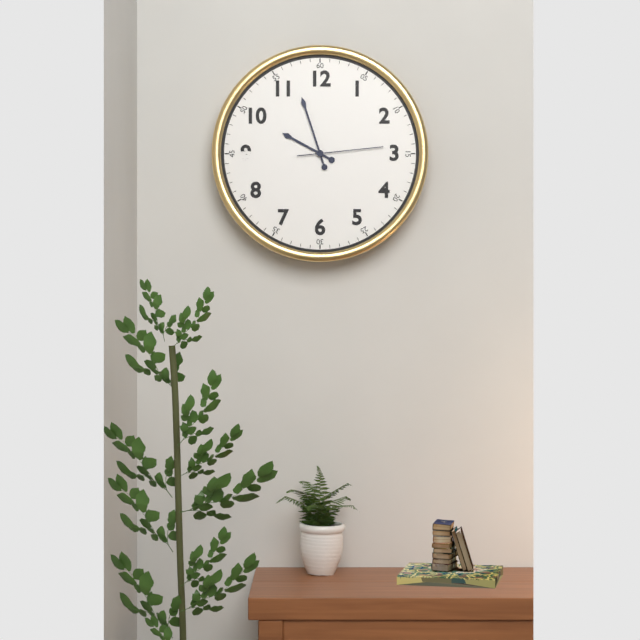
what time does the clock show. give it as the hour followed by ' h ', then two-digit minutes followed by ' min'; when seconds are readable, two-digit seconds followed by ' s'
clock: 9 h 57 min 14 s
